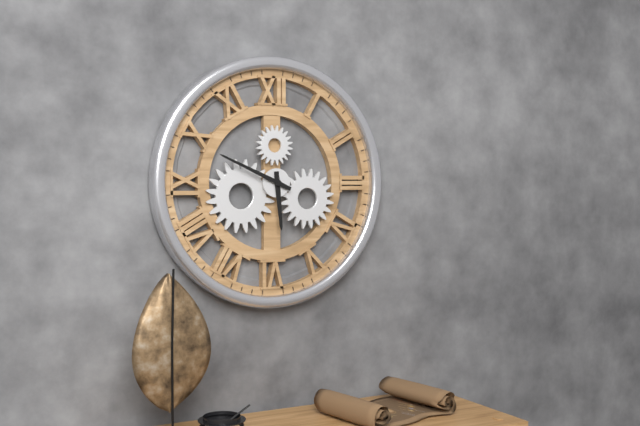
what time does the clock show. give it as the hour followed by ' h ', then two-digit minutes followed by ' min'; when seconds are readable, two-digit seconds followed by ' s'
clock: 5 h 49 min
